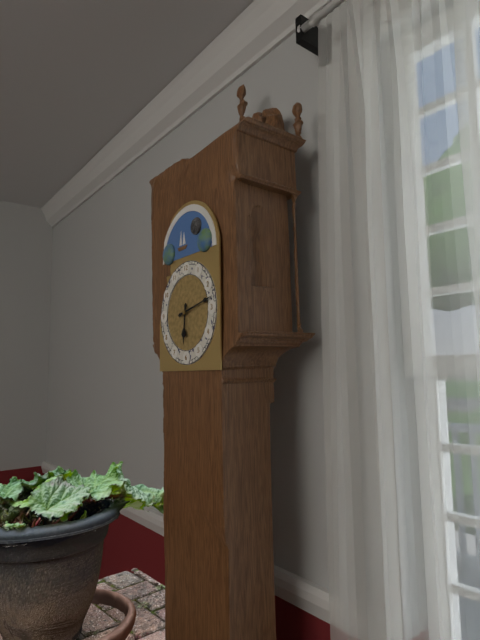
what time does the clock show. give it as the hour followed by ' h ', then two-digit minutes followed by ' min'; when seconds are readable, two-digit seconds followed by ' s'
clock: 6 h 13 min
